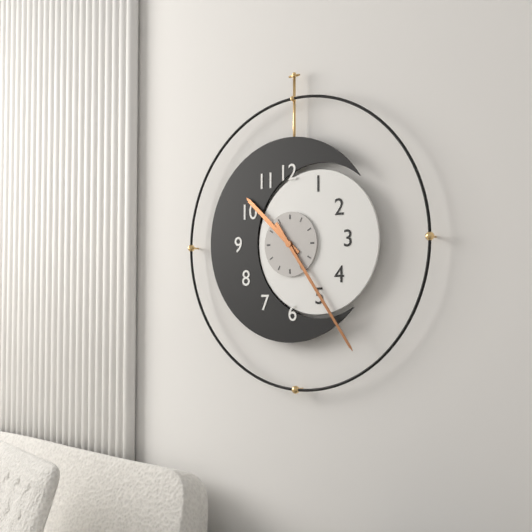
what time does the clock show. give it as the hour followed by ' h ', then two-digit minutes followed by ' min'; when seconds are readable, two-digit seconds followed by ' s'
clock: 10 h 24 min
